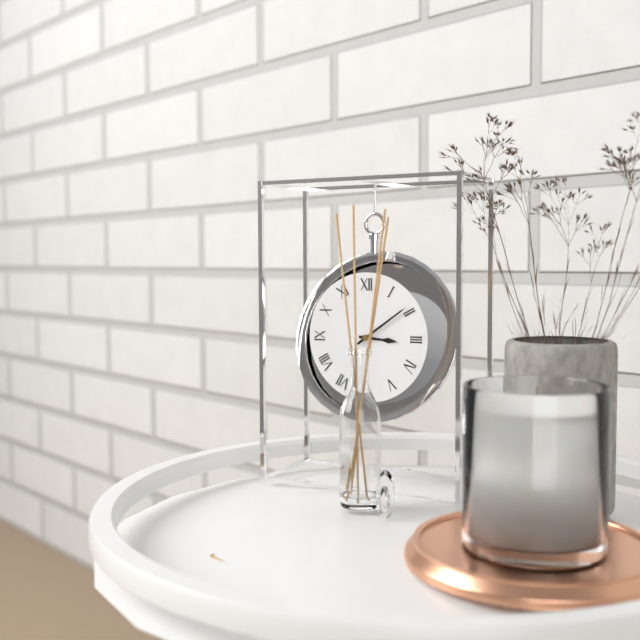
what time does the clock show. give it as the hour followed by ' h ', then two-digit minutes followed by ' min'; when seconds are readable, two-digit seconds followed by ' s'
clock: 3 h 09 min
